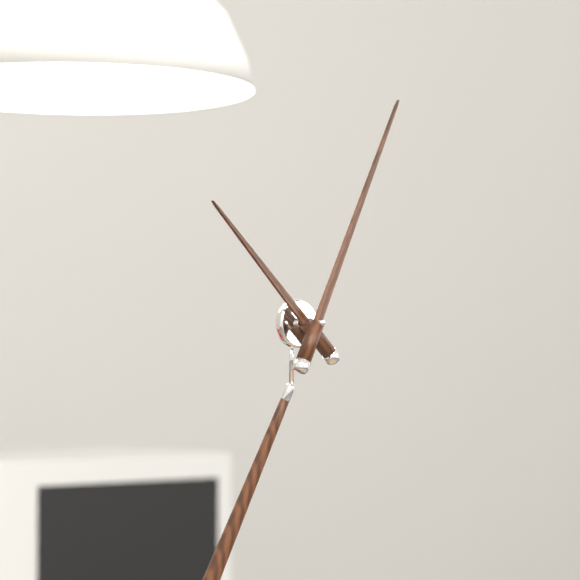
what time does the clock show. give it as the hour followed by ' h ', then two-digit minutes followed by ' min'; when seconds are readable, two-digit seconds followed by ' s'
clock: 10 h 02 min
